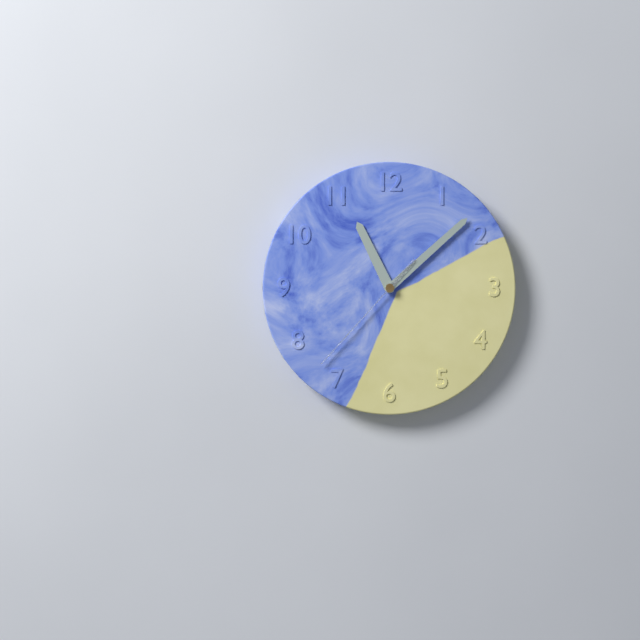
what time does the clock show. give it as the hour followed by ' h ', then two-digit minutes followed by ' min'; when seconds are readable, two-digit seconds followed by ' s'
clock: 11 h 08 min 37 s
